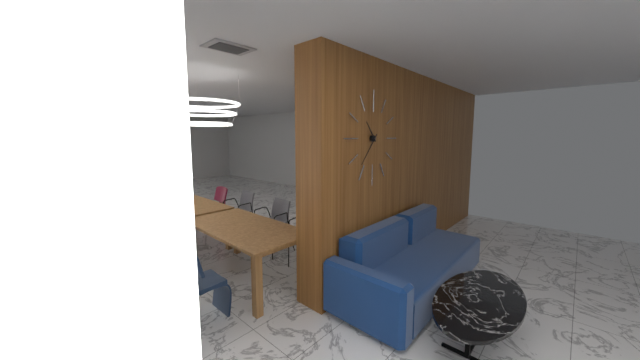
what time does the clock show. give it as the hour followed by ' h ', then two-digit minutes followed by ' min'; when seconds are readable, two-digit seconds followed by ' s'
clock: 10 h 37 min
